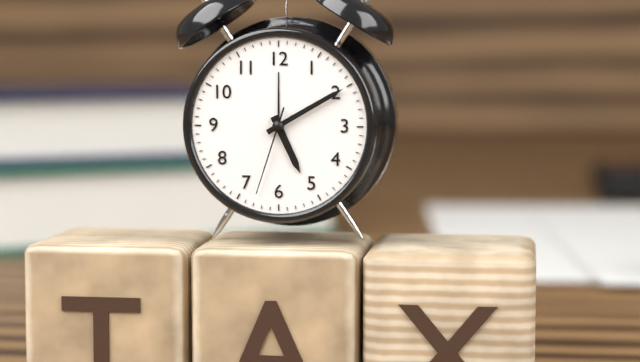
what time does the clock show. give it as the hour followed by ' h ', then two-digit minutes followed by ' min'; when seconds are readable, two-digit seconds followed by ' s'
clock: 5 h 10 min 33 s
